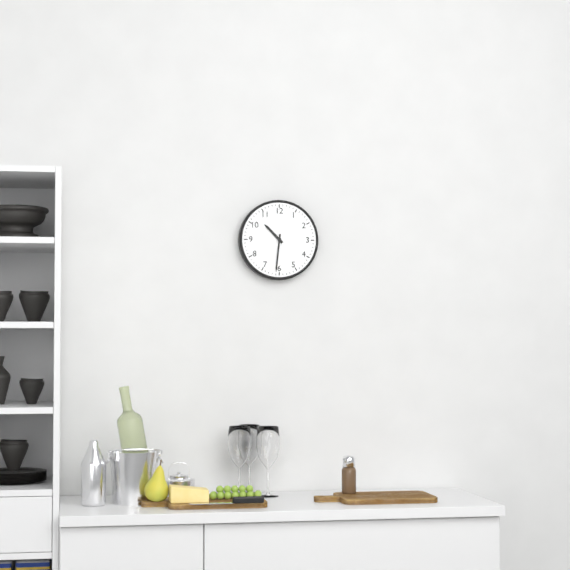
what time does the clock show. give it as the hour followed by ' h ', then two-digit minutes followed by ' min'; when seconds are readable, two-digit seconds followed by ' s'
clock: 10 h 31 min
